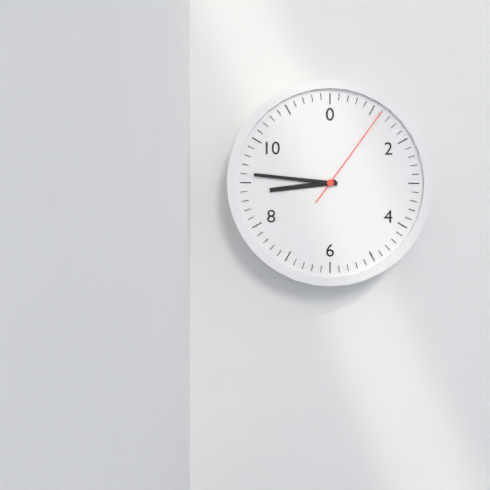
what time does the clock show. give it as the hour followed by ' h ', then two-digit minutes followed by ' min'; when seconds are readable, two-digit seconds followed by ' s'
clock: 8 h 46 min 06 s
